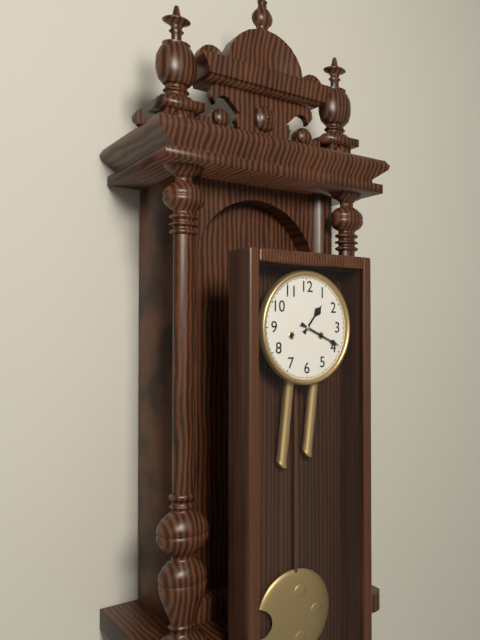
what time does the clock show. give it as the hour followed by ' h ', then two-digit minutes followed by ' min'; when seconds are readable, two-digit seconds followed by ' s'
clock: 1 h 19 min
